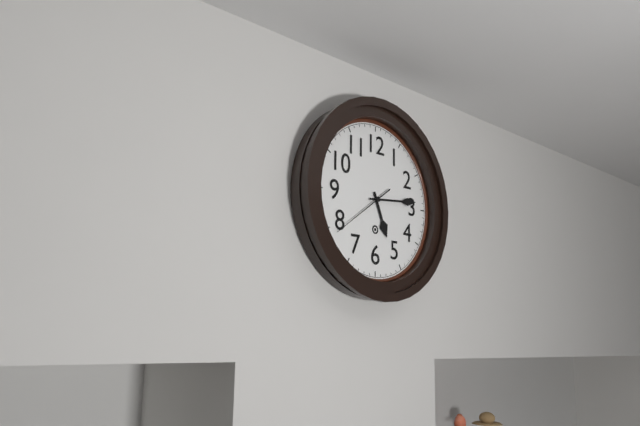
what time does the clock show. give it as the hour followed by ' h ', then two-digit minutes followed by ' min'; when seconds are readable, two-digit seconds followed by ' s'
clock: 5 h 14 min 39 s
